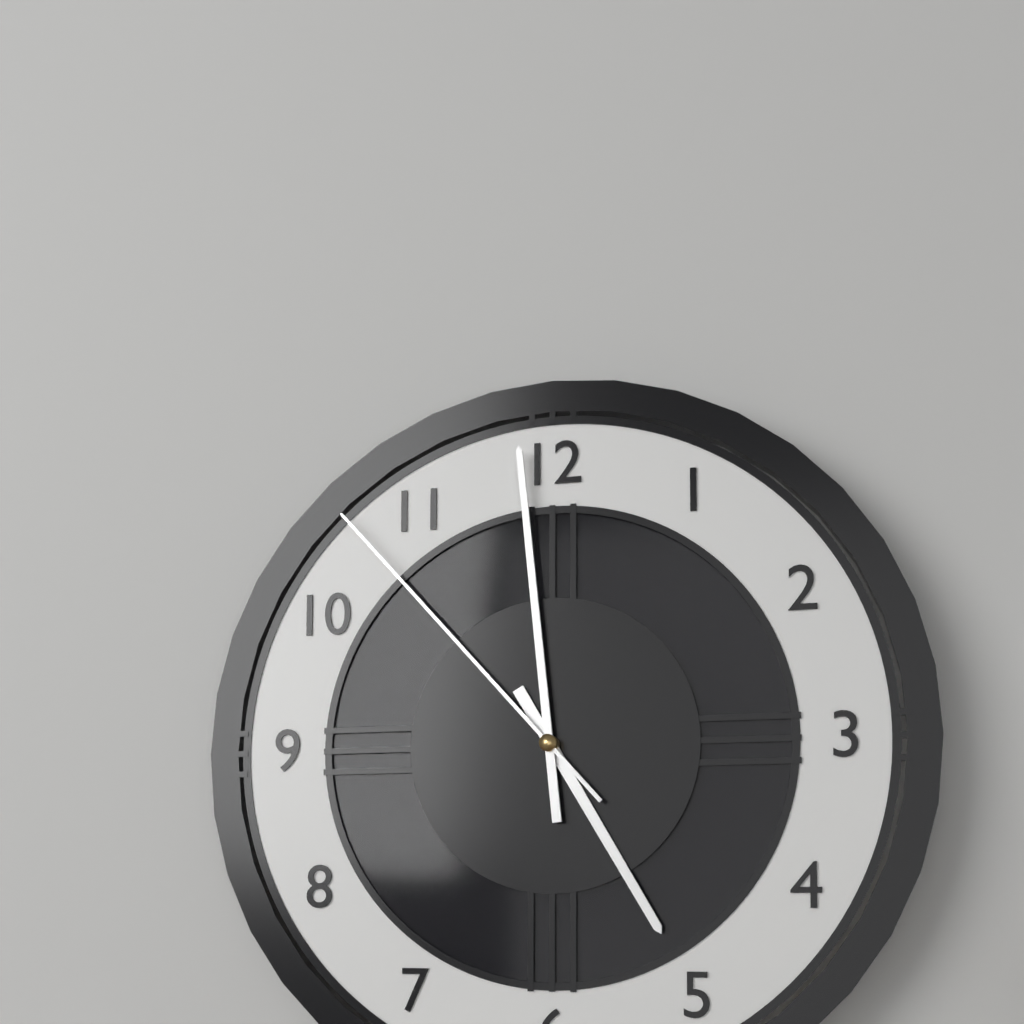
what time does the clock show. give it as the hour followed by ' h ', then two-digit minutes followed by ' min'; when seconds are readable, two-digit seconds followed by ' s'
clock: 4 h 59 min 53 s
